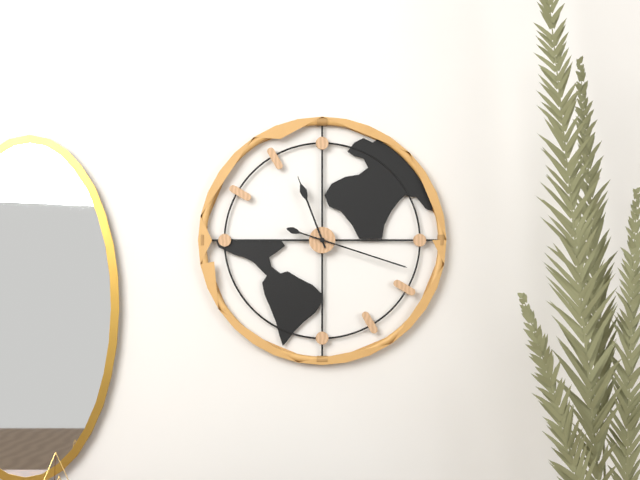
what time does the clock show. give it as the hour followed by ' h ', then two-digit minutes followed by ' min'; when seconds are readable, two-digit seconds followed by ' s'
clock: 11 h 18 min
